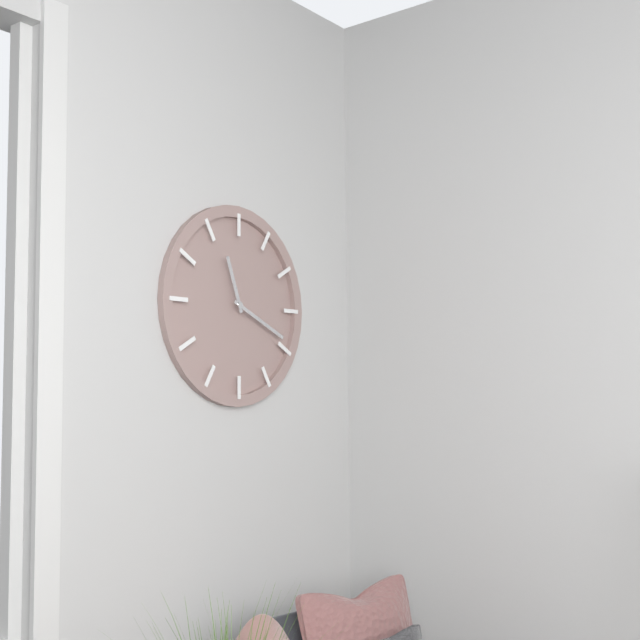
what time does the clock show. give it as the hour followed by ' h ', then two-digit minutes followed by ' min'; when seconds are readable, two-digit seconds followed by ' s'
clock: 11 h 19 min
